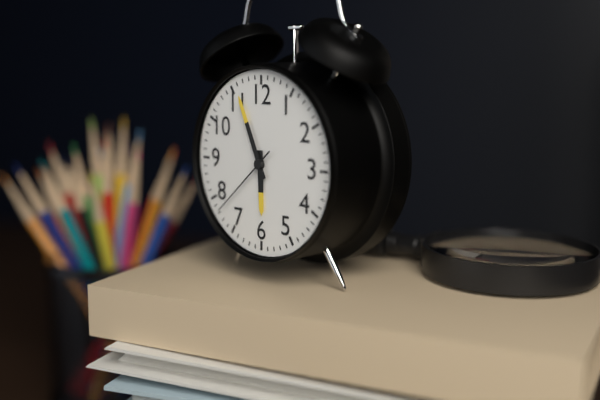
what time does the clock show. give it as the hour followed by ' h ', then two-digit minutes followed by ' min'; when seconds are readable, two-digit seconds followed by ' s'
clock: 5 h 56 min 38 s
